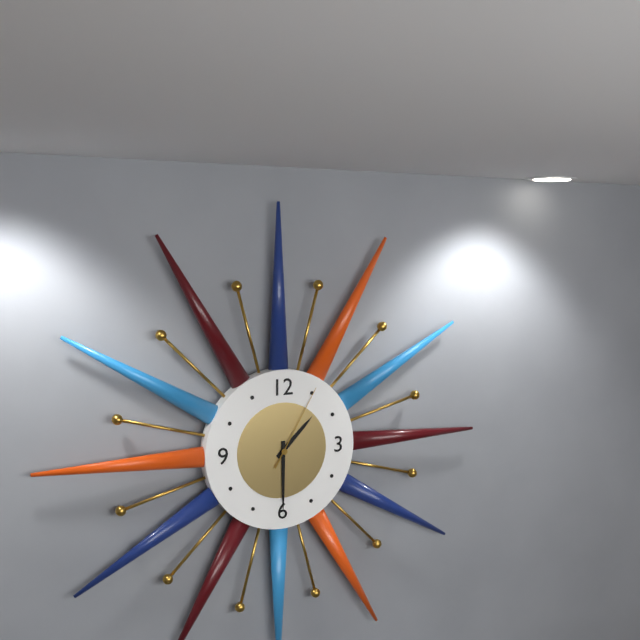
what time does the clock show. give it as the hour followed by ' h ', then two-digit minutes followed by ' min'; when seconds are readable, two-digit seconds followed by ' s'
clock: 1 h 30 min 05 s
